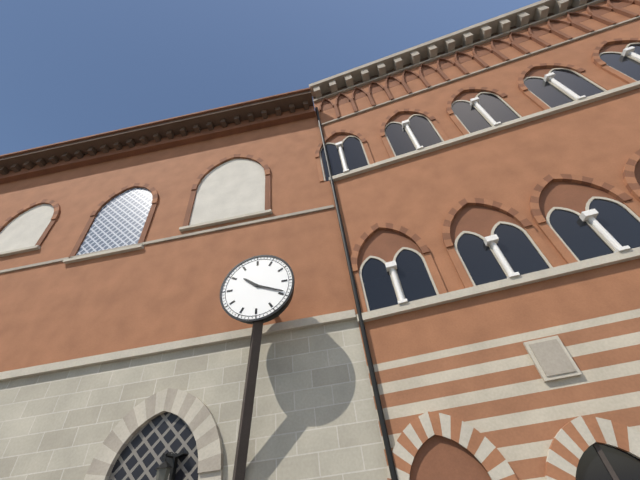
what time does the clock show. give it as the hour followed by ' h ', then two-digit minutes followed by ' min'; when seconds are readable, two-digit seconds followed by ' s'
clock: 10 h 19 min
